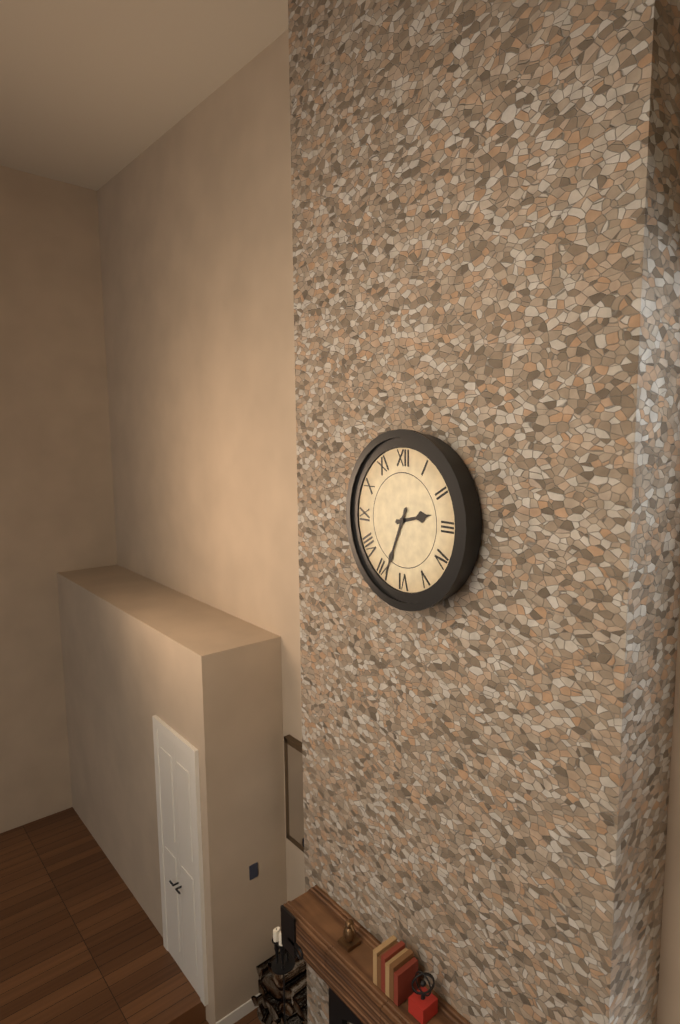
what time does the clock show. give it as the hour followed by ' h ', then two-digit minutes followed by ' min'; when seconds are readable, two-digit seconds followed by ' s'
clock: 2 h 34 min
